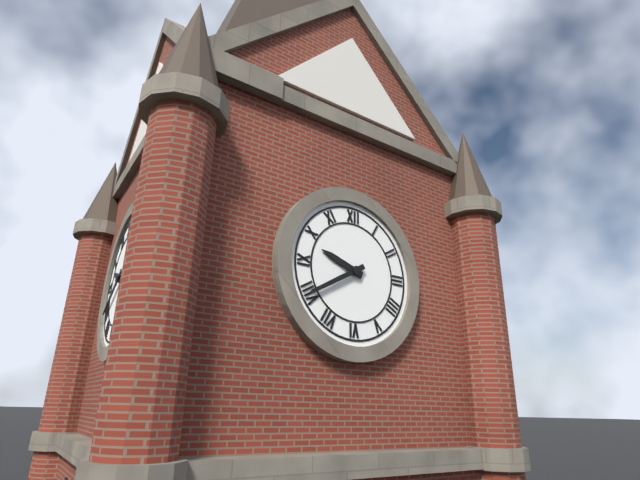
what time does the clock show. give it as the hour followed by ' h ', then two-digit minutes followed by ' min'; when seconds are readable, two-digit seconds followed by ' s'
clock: 9 h 40 min
